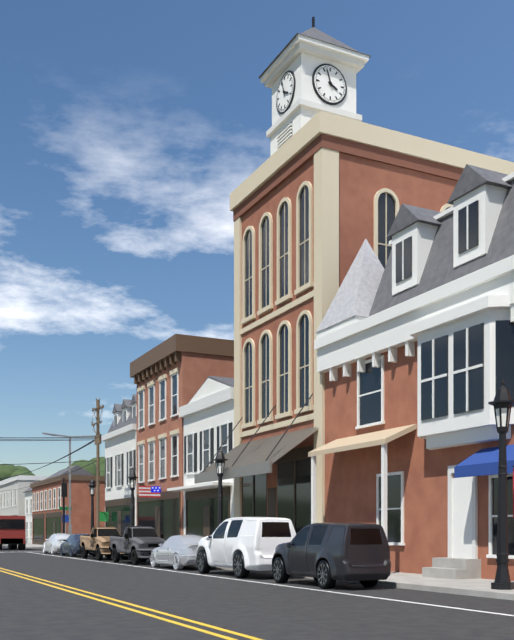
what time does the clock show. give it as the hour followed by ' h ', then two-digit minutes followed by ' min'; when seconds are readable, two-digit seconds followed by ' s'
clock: 3 h 57 min
